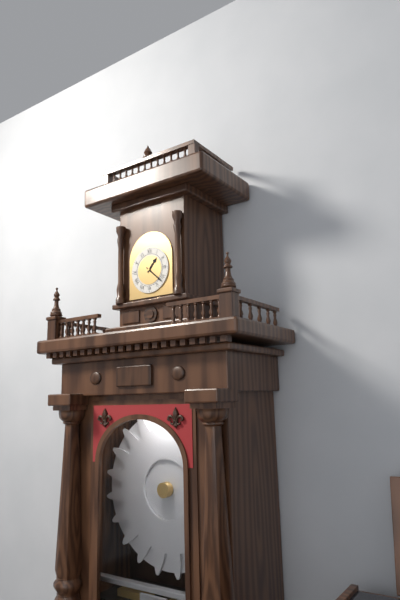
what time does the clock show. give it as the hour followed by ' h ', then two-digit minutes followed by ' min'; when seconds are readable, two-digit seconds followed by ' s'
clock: 1 h 22 min
